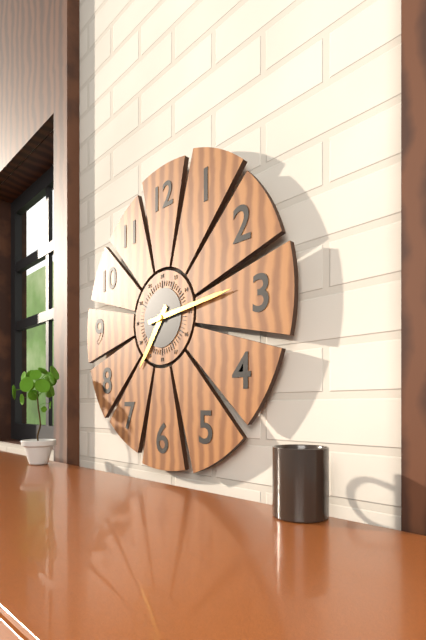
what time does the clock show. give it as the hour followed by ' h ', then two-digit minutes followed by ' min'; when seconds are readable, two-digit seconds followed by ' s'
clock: 7 h 14 min
